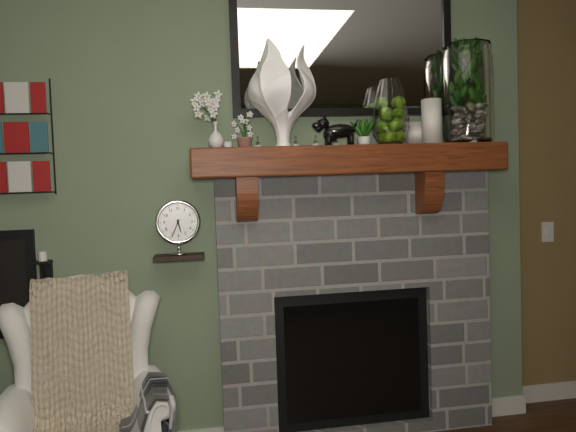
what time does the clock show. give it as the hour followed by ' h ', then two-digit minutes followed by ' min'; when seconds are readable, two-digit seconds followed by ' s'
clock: 5 h 34 min
